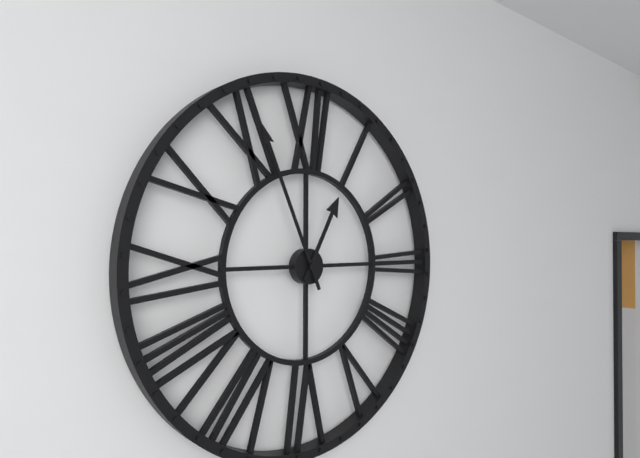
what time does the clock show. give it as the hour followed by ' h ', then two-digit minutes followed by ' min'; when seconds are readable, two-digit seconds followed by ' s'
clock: 12 h 56 min
